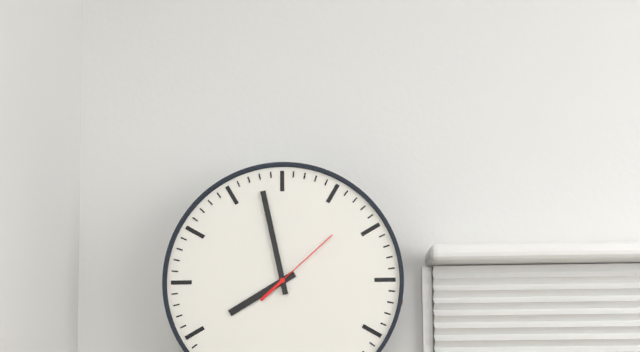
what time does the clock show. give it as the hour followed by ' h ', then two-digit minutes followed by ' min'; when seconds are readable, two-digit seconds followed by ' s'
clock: 7 h 58 min 08 s
